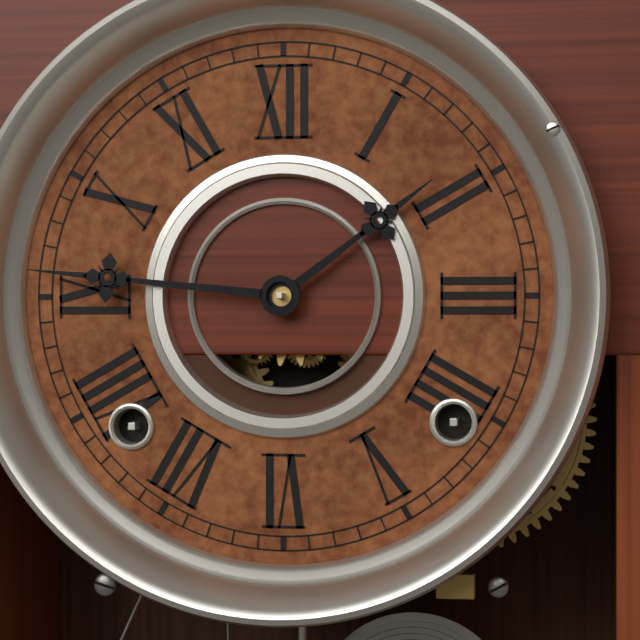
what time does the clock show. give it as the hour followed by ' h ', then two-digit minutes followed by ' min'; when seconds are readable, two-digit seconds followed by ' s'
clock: 1 h 46 min
